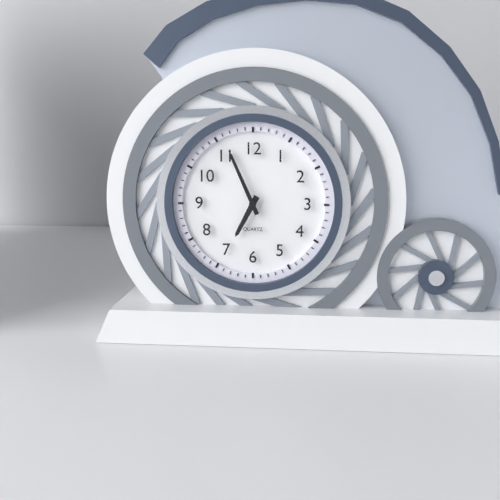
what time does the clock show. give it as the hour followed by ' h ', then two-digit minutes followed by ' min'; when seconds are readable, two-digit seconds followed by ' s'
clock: 6 h 56 min
